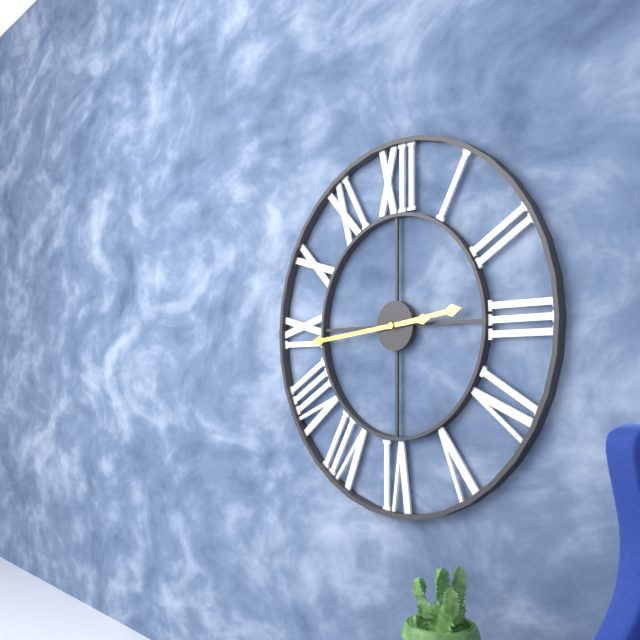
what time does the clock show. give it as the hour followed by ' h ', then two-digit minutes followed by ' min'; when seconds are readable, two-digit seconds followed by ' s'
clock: 2 h 44 min
